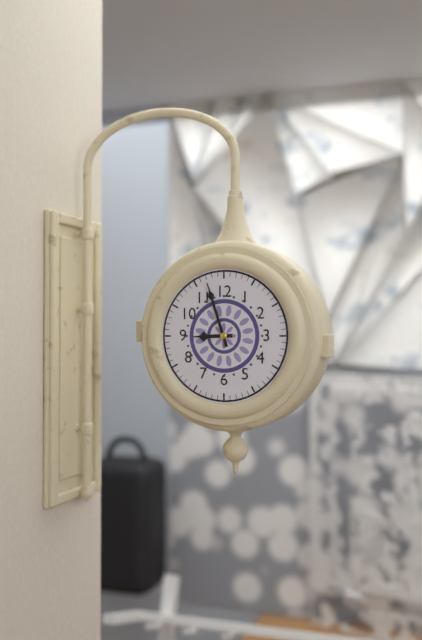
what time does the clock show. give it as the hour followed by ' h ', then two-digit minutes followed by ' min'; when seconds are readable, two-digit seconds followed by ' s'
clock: 8 h 57 min
